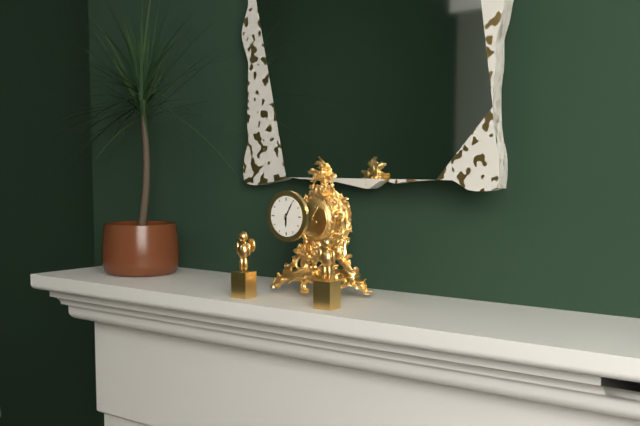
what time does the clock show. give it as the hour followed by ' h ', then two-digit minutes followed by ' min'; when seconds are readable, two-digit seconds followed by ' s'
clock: 6 h 05 min
